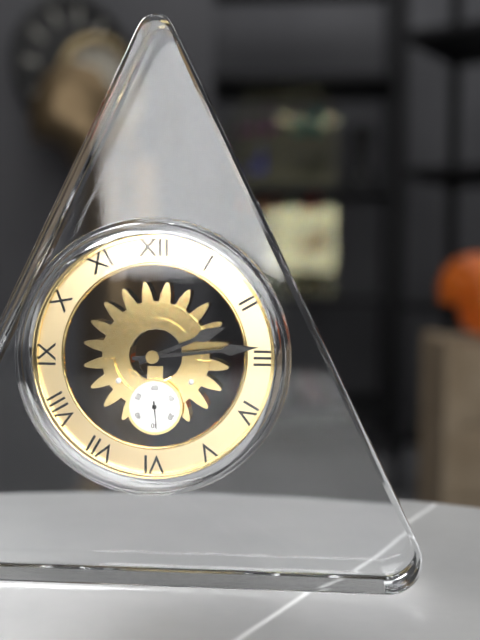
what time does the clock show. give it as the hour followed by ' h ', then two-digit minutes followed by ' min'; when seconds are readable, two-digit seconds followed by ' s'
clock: 2 h 14 min
